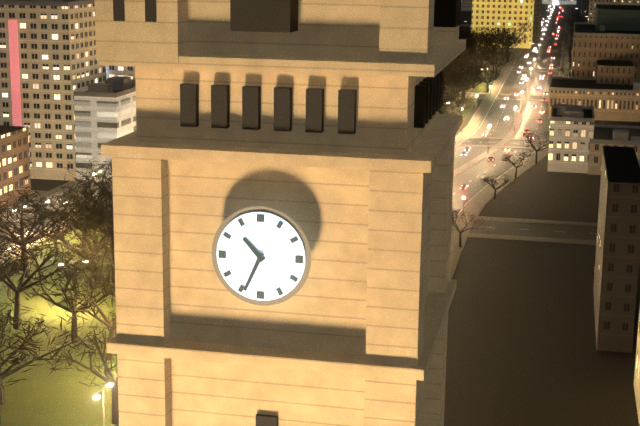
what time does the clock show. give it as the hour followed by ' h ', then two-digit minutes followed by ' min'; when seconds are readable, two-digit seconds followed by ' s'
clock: 10 h 34 min
